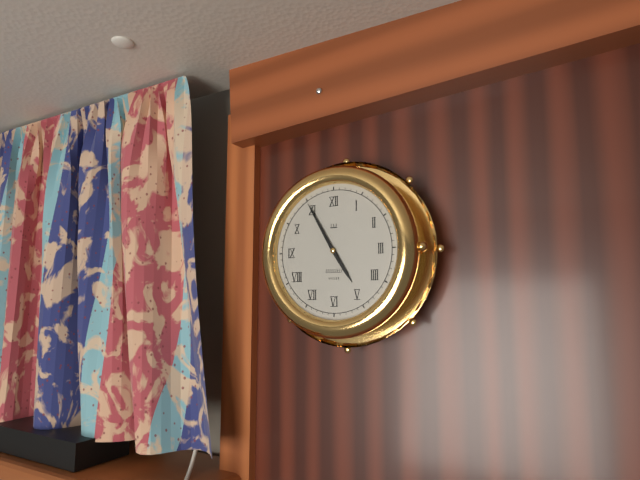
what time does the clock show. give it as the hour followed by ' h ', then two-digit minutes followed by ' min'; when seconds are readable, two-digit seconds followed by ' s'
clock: 4 h 55 min
